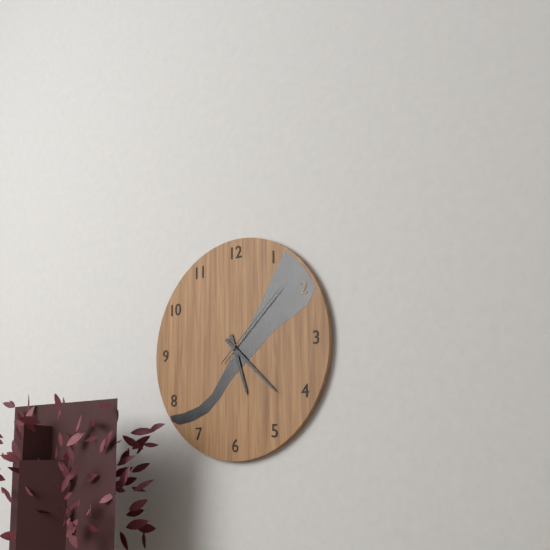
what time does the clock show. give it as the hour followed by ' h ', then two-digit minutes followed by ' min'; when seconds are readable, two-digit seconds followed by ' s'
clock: 5 h 22 min 08 s
